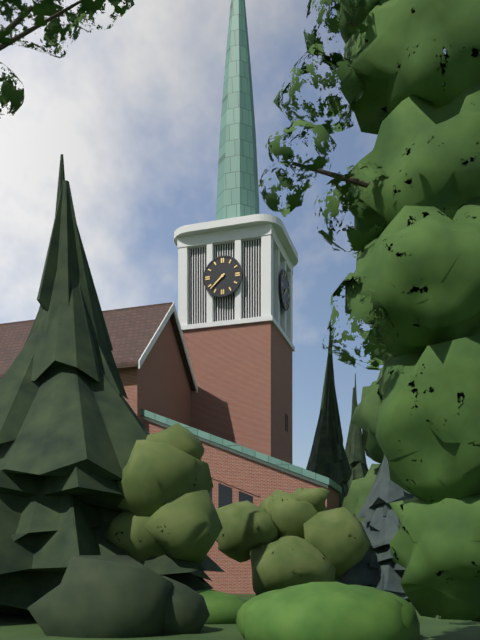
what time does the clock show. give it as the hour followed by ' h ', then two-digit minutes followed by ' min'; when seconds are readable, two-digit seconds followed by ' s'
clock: 7 h 38 min
